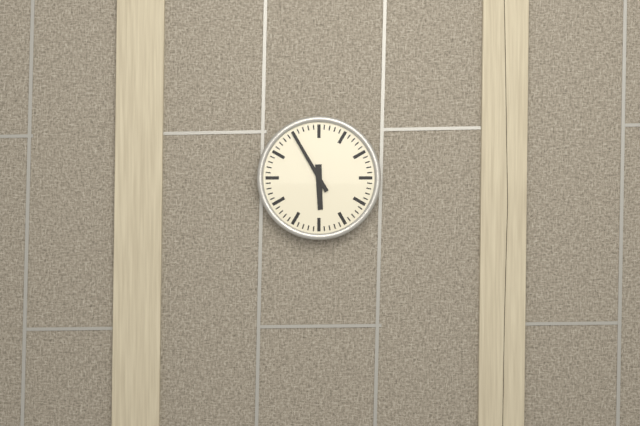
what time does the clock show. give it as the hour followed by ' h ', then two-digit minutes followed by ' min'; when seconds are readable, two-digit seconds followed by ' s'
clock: 5 h 55 min
